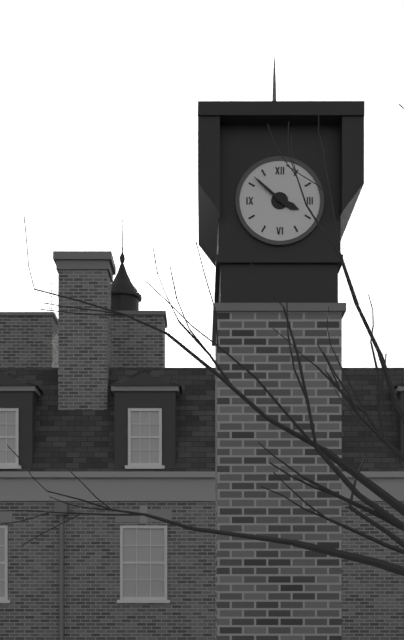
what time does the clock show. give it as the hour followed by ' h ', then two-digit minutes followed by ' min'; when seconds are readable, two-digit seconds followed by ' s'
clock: 3 h 52 min
